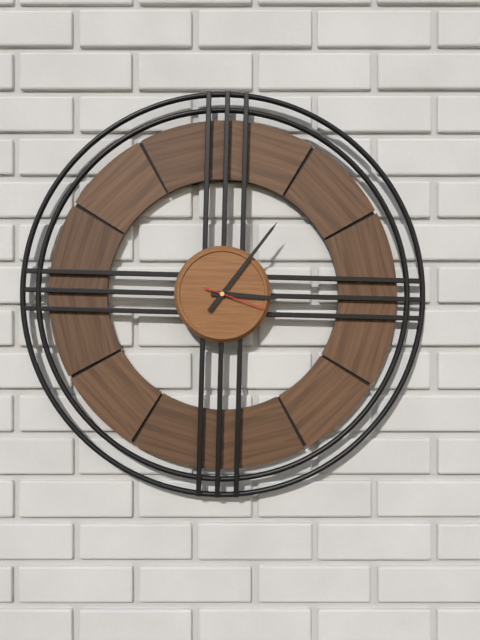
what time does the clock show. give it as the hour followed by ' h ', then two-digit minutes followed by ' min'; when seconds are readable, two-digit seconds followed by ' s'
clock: 3 h 06 min 18 s
